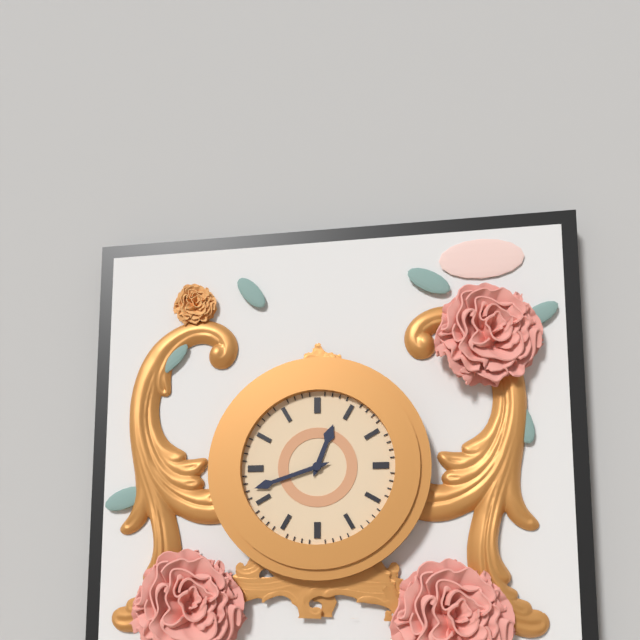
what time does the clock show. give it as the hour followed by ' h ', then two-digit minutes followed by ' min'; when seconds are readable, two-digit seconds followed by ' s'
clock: 12 h 42 min
